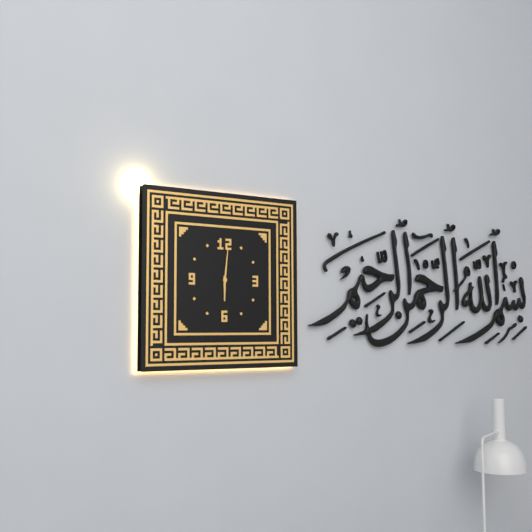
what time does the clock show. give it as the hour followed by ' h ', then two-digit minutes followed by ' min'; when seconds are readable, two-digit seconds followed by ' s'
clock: 6 h 01 min
